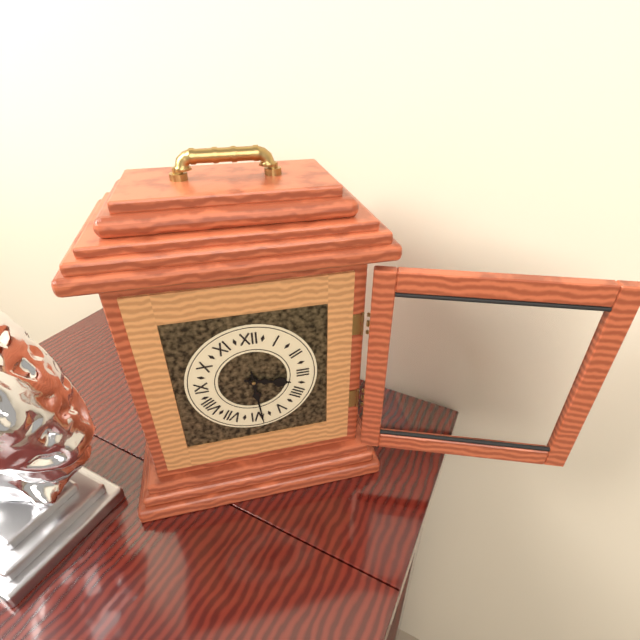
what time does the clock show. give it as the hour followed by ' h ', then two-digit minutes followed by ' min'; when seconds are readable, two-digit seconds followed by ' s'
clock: 3 h 29 min
